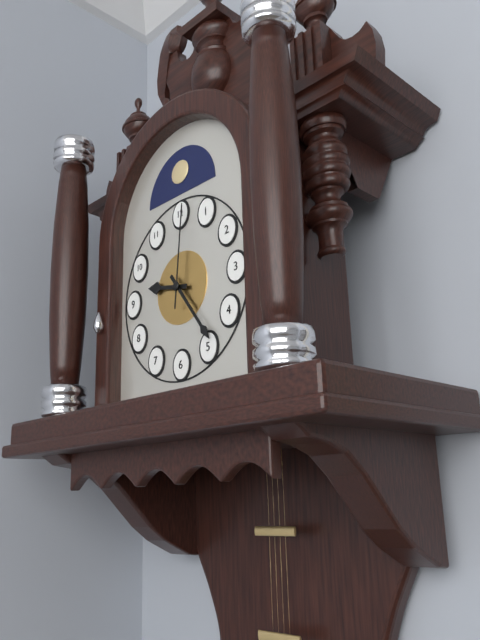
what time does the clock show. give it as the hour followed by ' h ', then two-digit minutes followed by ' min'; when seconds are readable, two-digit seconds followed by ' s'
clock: 9 h 24 min 01 s
